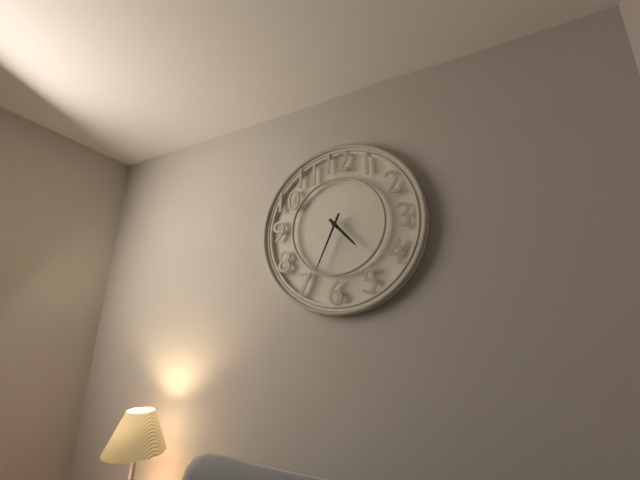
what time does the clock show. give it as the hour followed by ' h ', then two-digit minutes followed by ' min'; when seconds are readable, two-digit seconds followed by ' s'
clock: 4 h 34 min
